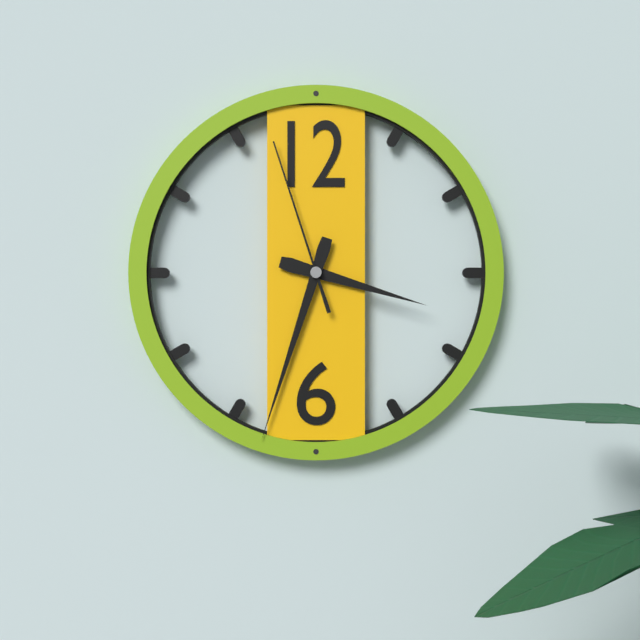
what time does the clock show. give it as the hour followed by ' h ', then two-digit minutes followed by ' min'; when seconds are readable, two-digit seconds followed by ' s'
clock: 3 h 33 min 57 s
